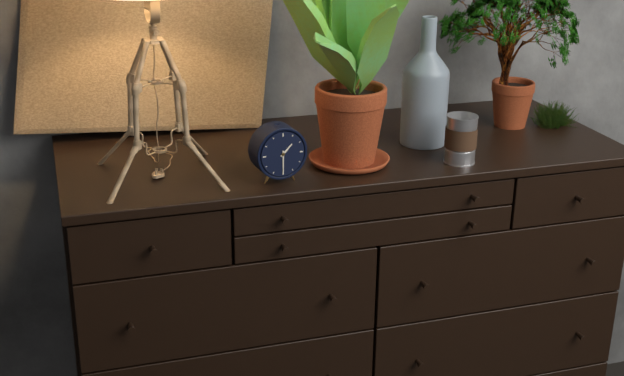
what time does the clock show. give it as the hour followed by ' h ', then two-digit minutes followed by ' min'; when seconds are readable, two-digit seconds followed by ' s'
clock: 1 h 30 min
